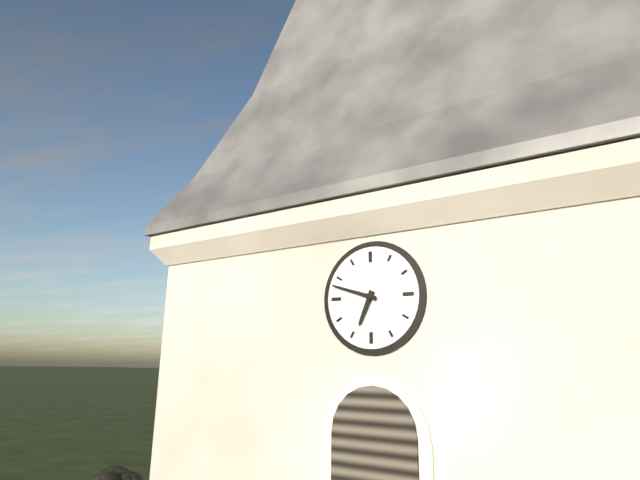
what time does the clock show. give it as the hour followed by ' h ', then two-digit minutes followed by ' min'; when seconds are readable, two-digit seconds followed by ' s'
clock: 6 h 48 min
